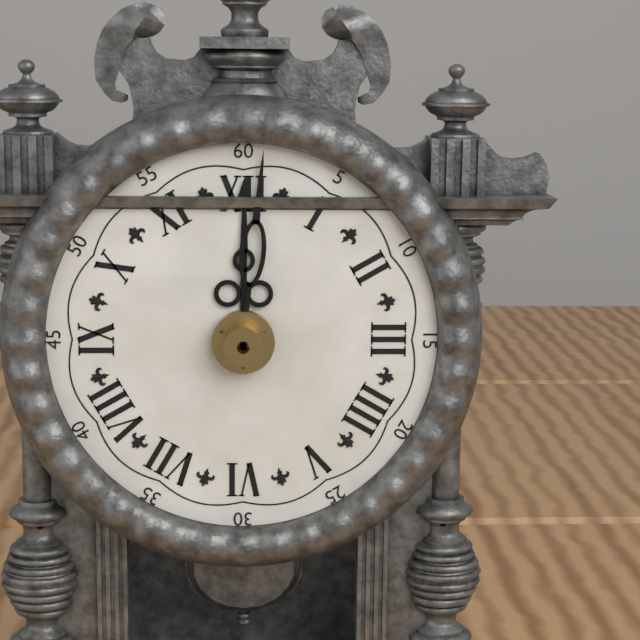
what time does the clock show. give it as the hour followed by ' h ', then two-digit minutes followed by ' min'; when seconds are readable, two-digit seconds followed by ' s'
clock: 12 h 01 min
